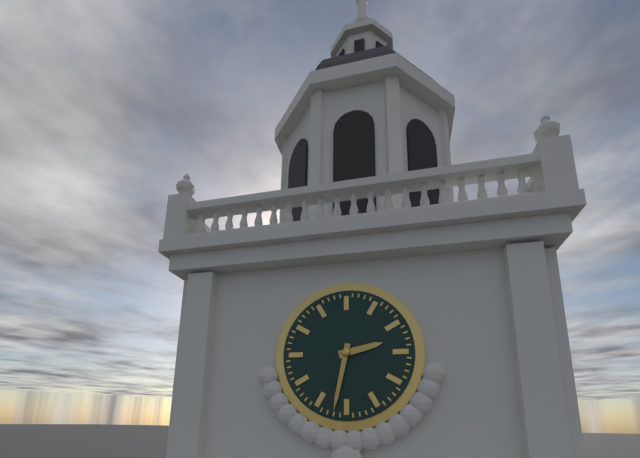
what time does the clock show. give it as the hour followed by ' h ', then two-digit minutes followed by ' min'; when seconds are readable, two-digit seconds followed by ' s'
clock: 2 h 32 min
